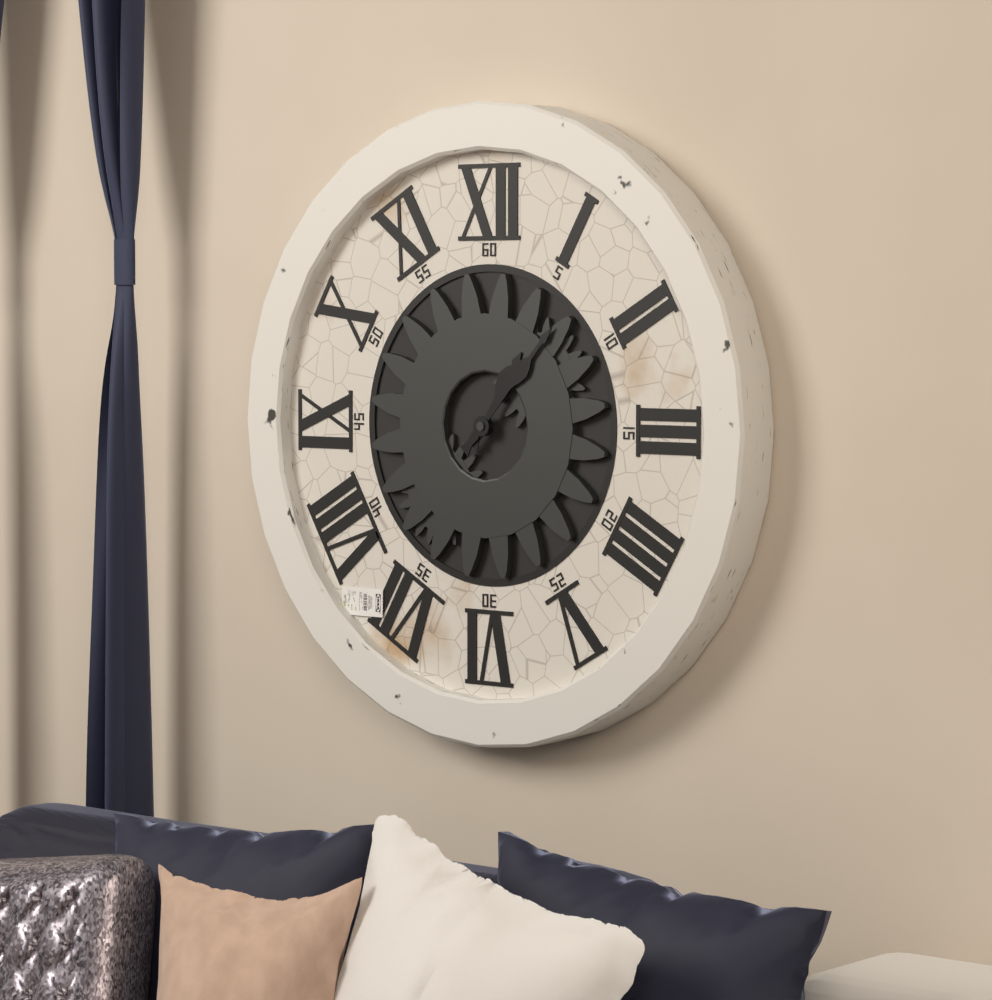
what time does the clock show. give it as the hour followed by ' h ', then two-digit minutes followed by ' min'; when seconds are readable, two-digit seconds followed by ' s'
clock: 1 h 07 min
